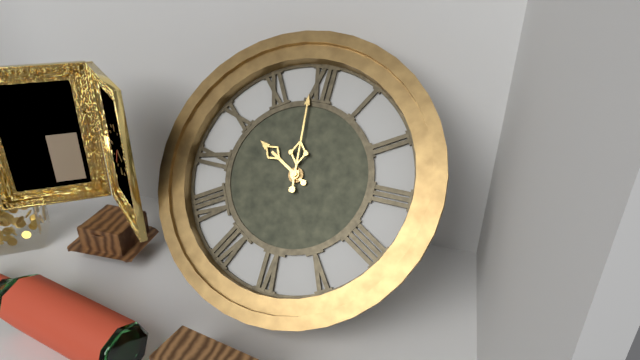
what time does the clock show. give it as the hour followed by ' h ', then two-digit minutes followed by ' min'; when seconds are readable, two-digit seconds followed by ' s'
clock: 9 h 59 min
